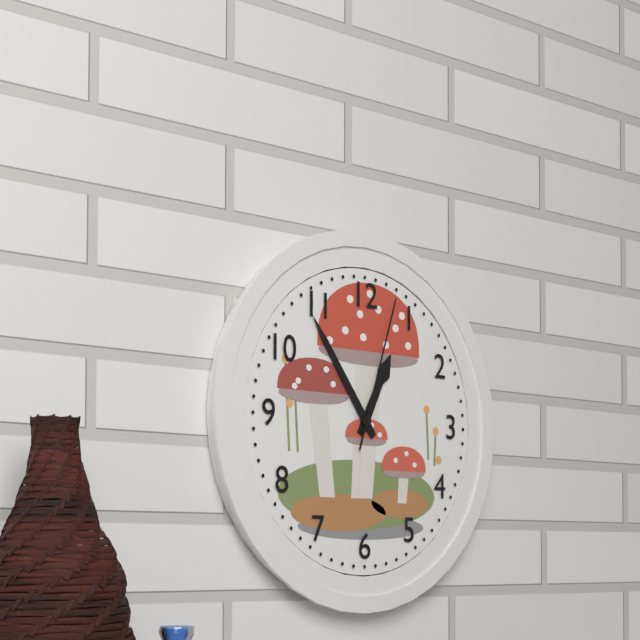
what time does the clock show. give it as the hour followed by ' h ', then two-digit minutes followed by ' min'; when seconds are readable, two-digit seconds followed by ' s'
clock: 12 h 54 min 03 s
